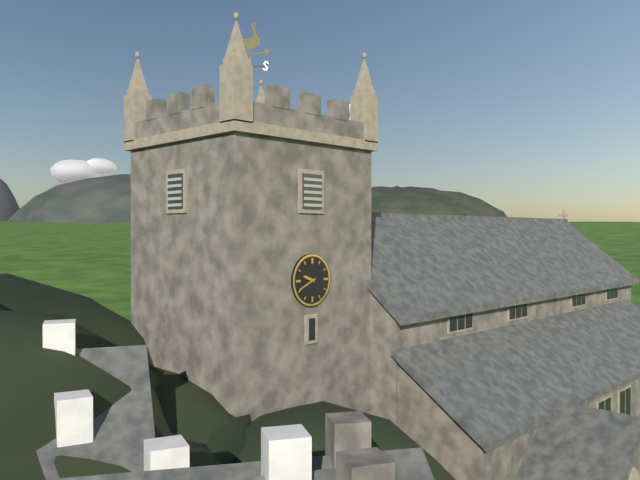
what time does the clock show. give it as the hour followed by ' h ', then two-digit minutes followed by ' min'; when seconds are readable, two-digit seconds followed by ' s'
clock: 9 h 41 min
